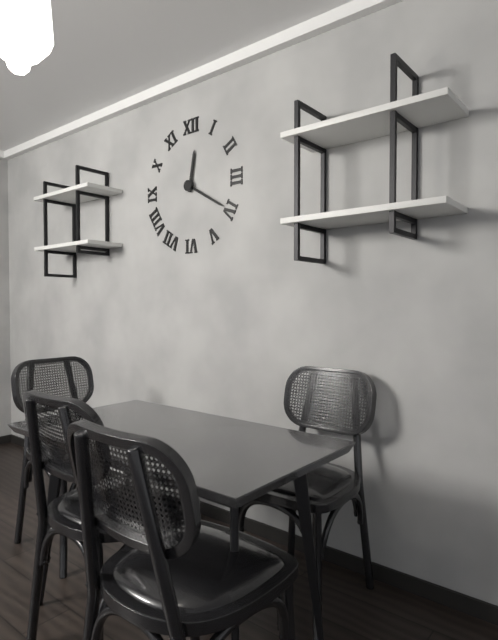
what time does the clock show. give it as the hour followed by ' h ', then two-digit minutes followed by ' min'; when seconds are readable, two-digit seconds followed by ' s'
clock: 12 h 20 min
